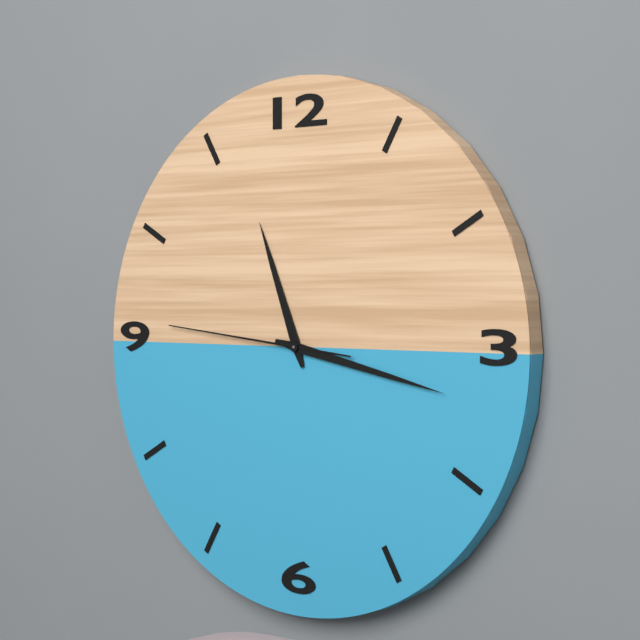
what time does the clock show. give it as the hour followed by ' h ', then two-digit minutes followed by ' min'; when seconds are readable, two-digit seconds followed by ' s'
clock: 11 h 17 min 46 s
